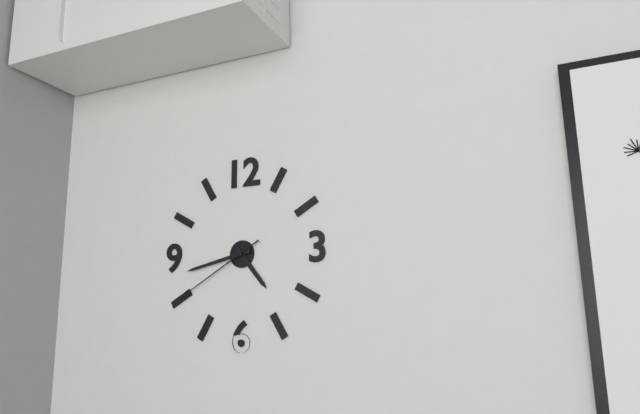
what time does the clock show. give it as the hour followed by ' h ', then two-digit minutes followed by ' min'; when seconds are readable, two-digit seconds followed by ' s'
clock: 4 h 43 min 40 s
